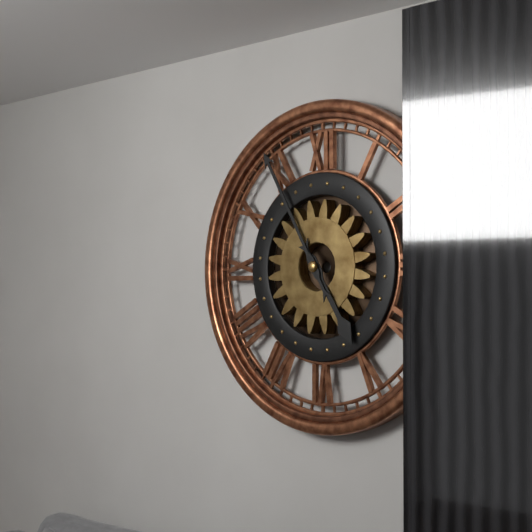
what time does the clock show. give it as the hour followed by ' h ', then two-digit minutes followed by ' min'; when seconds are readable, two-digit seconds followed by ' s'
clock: 4 h 55 min
